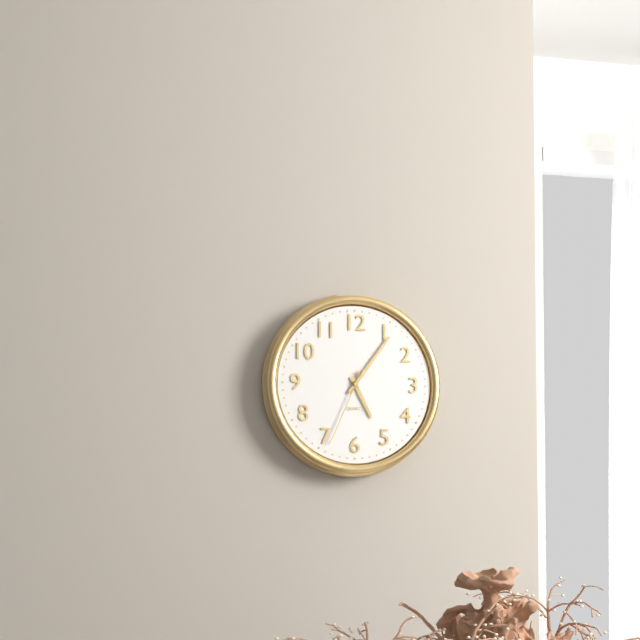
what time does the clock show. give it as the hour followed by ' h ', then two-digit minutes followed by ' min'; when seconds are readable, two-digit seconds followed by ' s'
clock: 5 h 06 min 34 s
